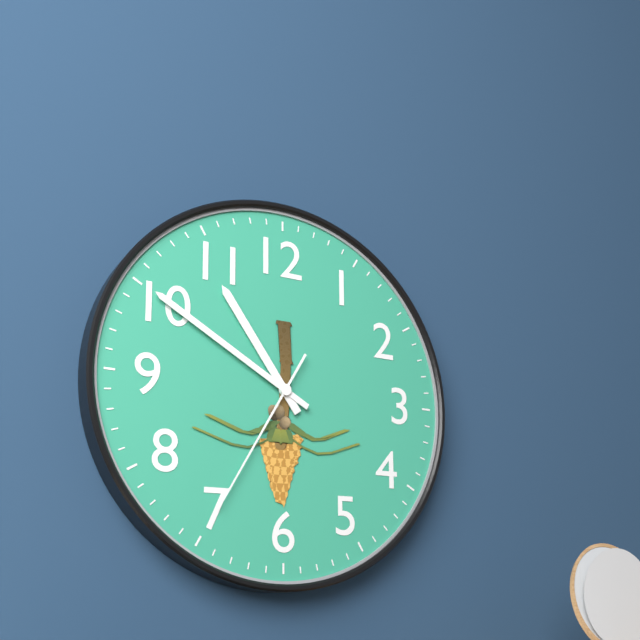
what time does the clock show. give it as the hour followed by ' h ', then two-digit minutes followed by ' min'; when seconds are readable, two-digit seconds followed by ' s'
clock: 10 h 50 min 35 s
